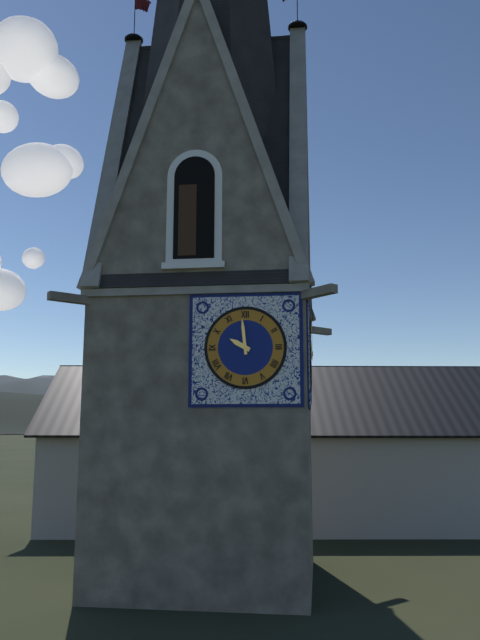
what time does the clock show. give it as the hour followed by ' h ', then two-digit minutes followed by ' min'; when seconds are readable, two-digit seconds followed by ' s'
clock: 9 h 59 min
